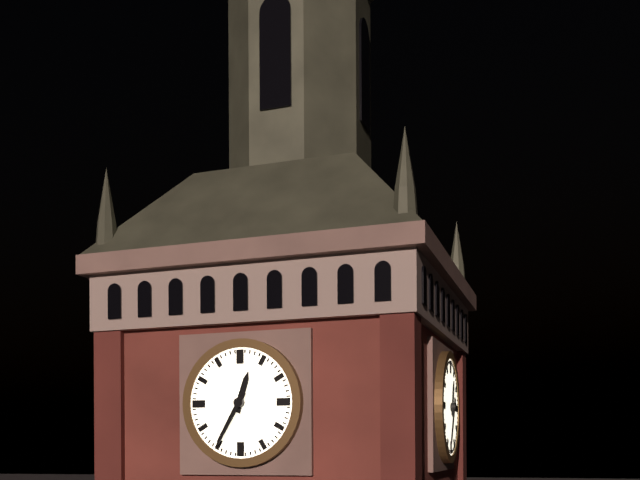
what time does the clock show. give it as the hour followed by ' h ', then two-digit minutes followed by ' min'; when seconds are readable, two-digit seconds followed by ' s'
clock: 12 h 35 min
